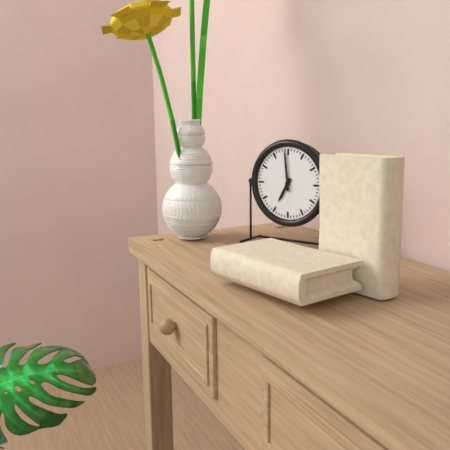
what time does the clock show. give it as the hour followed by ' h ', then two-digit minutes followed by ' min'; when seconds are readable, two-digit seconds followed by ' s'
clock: 6 h 59 min
